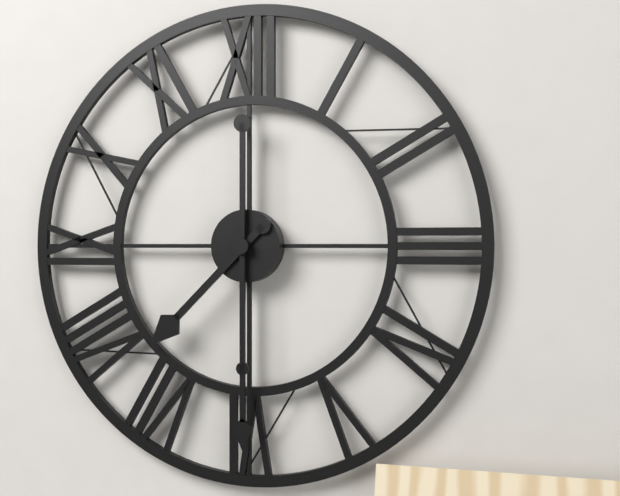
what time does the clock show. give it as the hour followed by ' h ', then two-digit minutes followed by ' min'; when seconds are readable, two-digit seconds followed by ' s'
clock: 7 h 30 min
